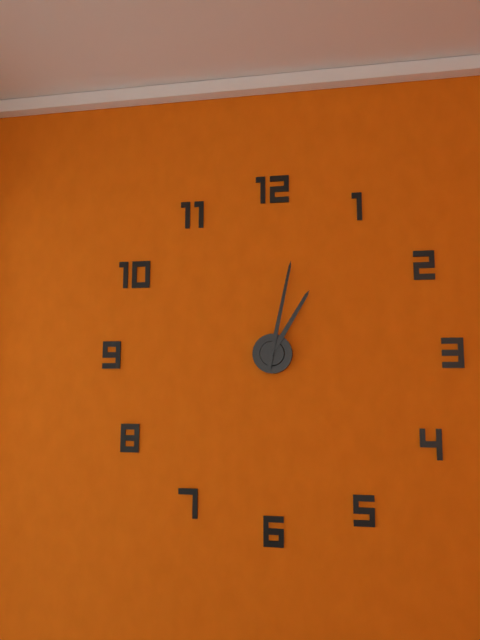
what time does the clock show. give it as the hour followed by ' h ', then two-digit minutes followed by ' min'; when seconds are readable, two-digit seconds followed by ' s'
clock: 1 h 02 min
